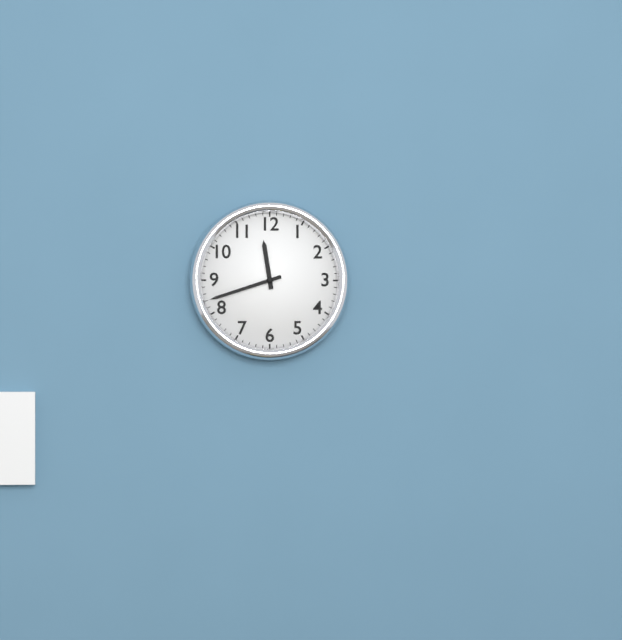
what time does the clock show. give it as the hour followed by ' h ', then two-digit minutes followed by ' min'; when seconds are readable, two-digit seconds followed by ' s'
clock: 11 h 42 min
